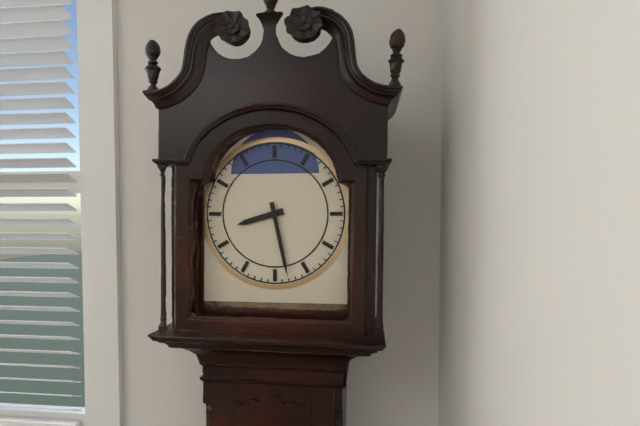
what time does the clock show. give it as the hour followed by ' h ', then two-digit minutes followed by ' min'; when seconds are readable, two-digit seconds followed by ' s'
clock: 8 h 28 min
